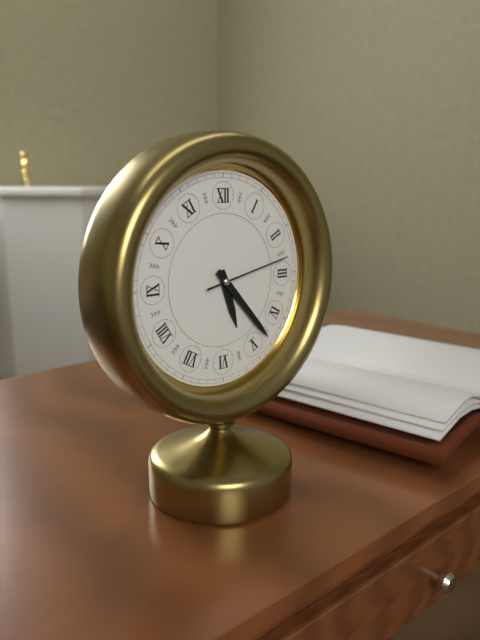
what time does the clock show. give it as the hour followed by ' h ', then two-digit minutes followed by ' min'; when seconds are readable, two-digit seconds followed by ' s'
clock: 5 h 23 min 13 s
